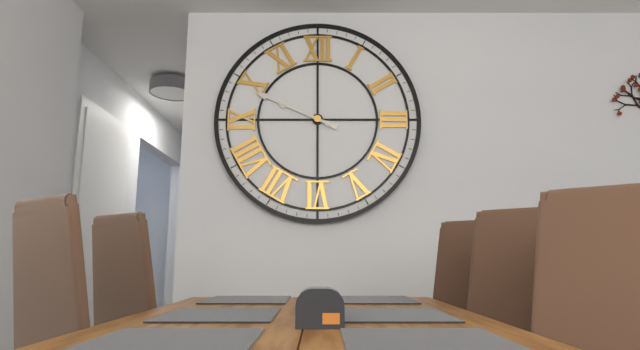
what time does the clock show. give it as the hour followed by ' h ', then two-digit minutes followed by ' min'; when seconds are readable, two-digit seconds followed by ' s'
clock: 9 h 49 min
